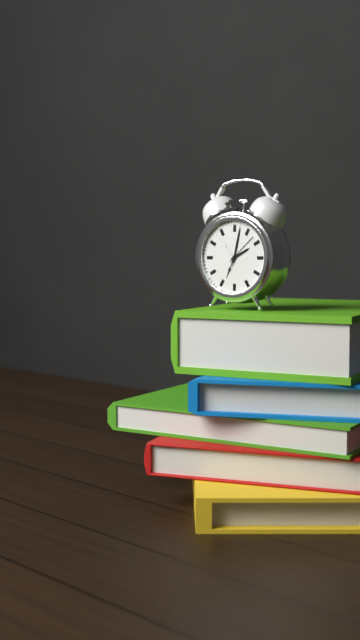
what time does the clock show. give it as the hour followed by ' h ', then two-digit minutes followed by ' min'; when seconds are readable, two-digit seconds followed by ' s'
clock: 2 h 02 min
